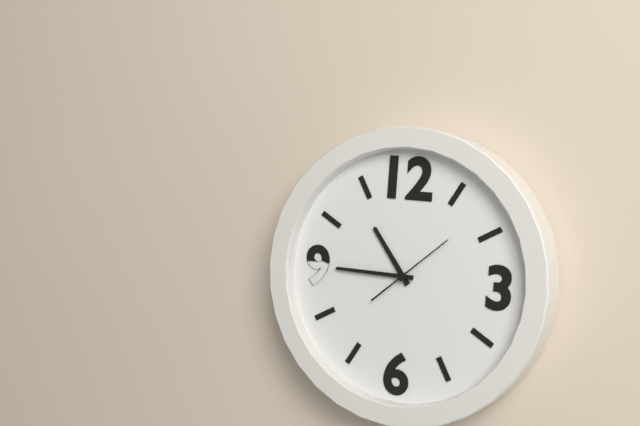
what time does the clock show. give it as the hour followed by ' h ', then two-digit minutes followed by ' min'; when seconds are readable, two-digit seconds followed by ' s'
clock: 10 h 45 min 08 s
